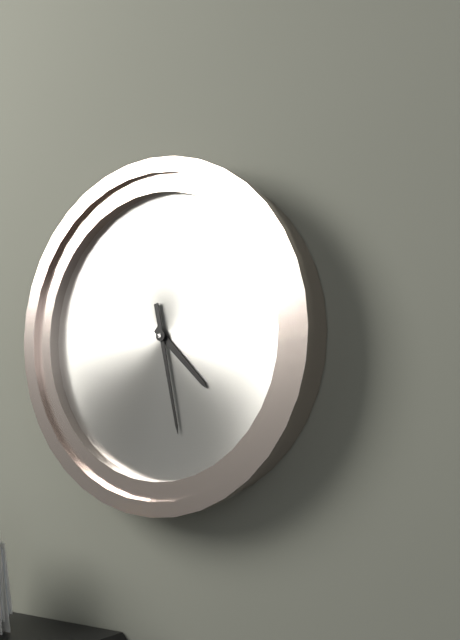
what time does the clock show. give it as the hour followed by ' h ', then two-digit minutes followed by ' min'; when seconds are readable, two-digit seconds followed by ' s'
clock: 4 h 28 min
